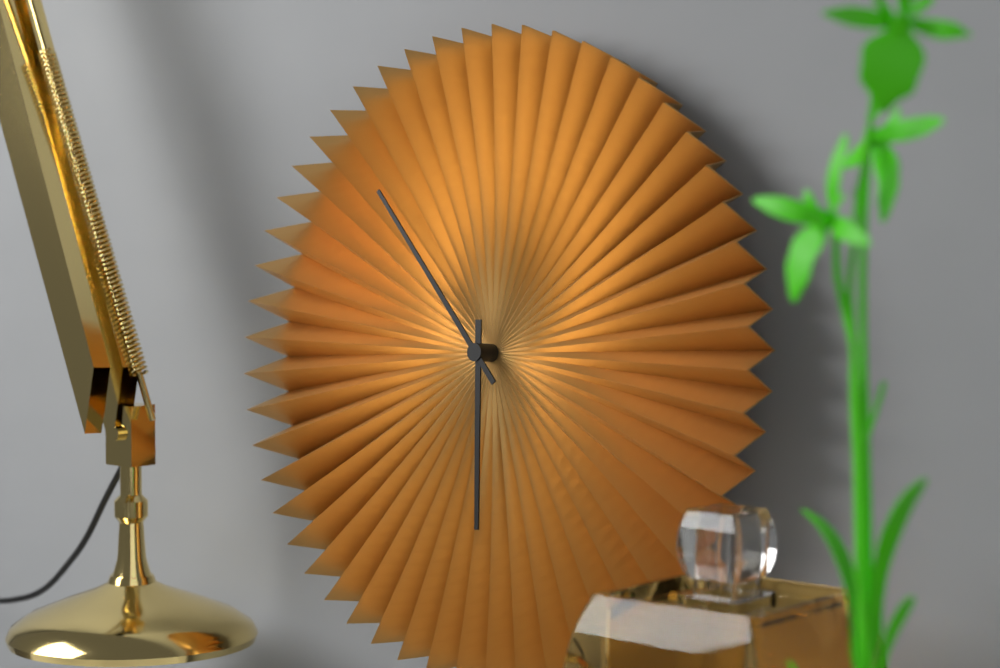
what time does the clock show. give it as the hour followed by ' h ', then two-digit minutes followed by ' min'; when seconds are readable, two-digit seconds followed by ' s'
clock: 5 h 53 min
